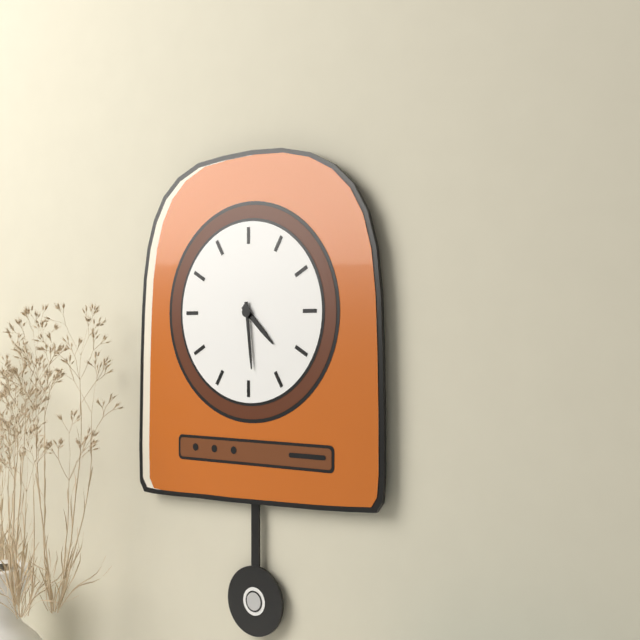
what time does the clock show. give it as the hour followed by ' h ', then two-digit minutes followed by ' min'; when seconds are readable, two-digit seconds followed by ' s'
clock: 4 h 29 min
